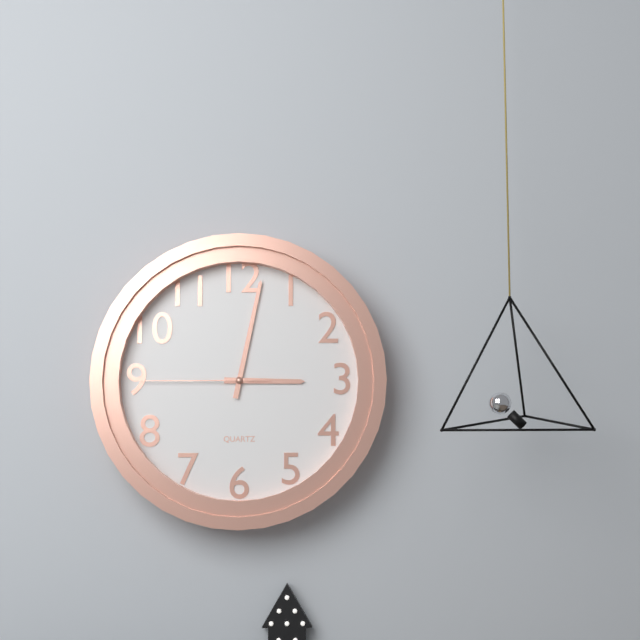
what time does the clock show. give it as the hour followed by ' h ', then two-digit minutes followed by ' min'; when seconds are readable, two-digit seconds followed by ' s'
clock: 3 h 02 min 45 s
